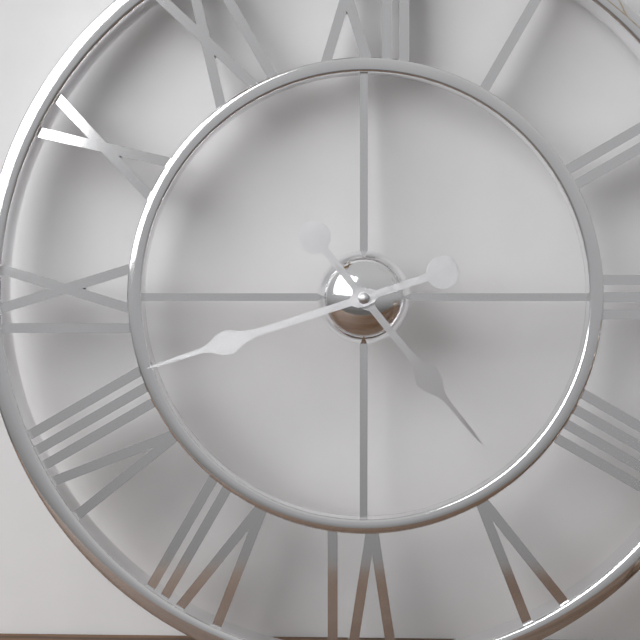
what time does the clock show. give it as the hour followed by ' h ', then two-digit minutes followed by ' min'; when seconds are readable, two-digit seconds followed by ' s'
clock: 4 h 42 min
